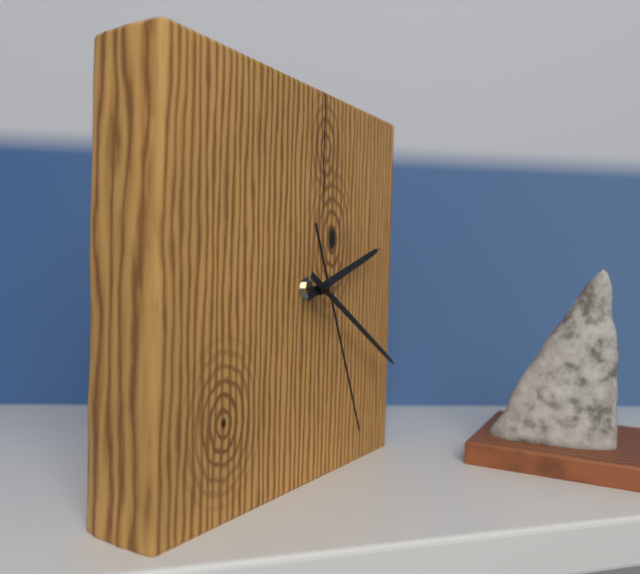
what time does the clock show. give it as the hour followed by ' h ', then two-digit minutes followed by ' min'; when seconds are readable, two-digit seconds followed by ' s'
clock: 2 h 20 min 26 s
